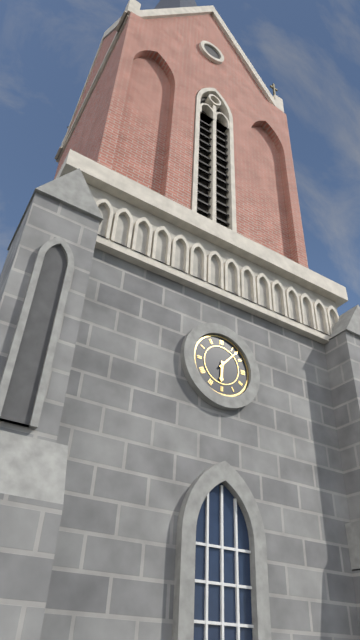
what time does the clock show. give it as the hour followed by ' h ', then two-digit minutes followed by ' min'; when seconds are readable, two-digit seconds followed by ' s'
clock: 6 h 07 min
